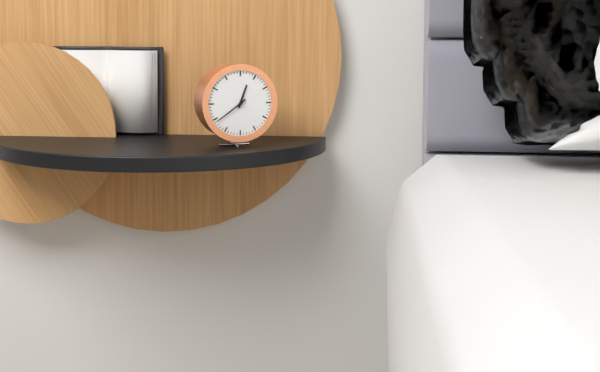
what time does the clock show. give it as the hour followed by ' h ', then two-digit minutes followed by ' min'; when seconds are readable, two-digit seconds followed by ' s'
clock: 12 h 39 min
